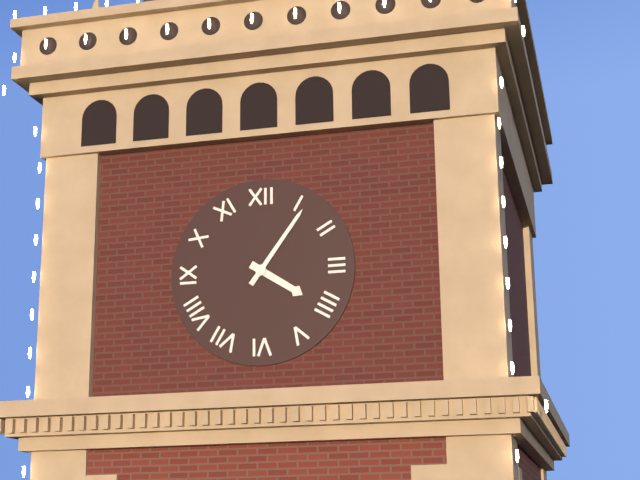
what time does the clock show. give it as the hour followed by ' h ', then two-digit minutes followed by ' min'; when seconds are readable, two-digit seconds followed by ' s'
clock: 4 h 06 min
